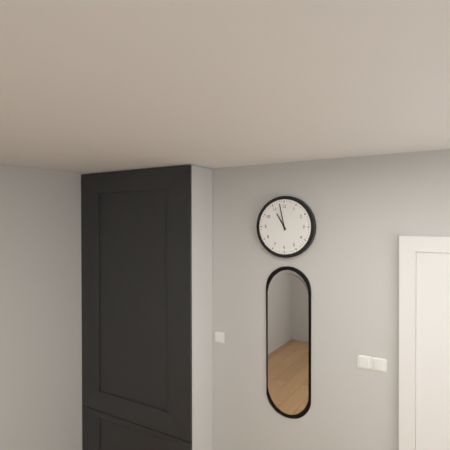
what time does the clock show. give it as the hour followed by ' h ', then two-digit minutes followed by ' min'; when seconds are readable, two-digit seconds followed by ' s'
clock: 10 h 58 min
